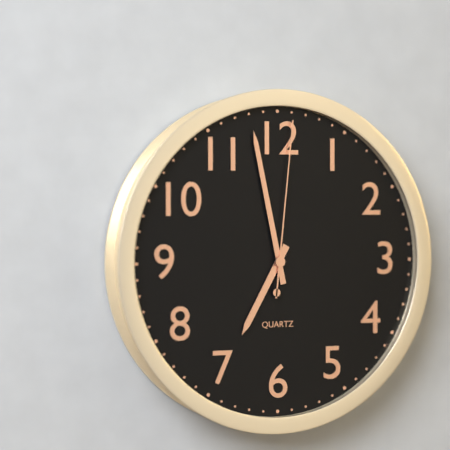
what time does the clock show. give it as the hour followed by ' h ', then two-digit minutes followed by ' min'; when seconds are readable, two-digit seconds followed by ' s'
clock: 6 h 58 min 01 s
